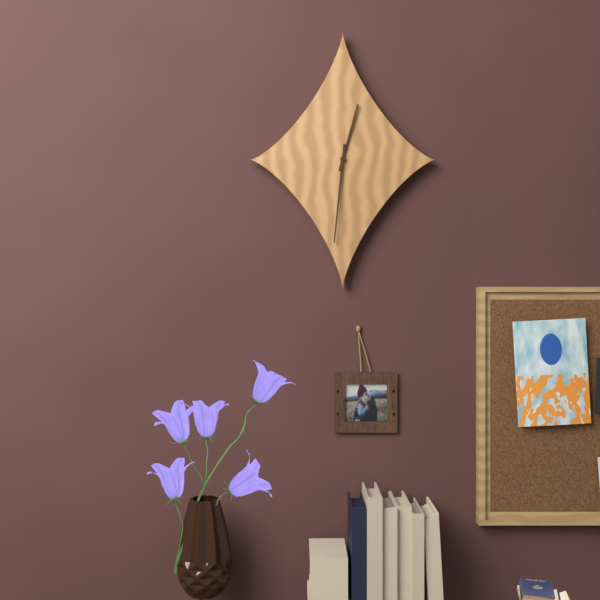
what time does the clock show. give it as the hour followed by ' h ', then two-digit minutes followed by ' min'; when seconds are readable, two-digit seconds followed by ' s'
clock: 12 h 31 min
